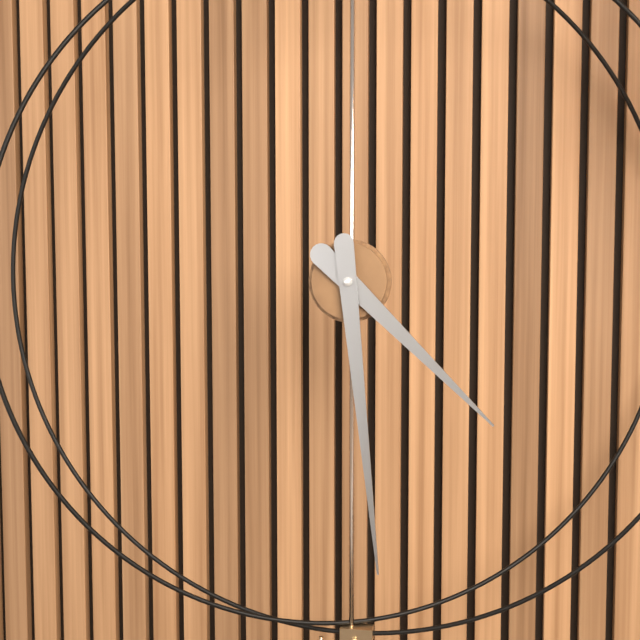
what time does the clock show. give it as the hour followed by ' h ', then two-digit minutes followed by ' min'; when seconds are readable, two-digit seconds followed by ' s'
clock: 4 h 29 min
